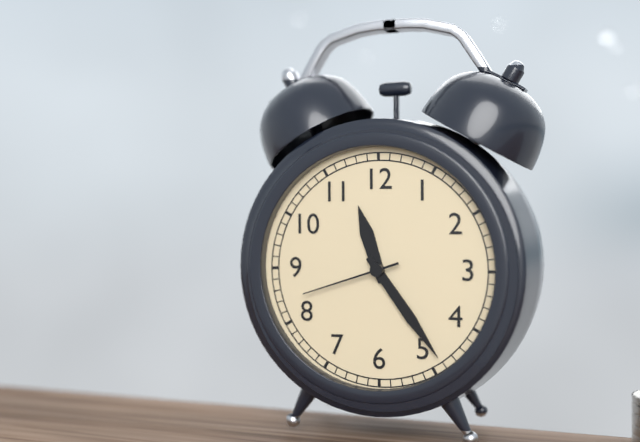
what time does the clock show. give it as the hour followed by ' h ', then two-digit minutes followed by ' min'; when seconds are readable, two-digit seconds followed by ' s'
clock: 11 h 24 min 42 s
